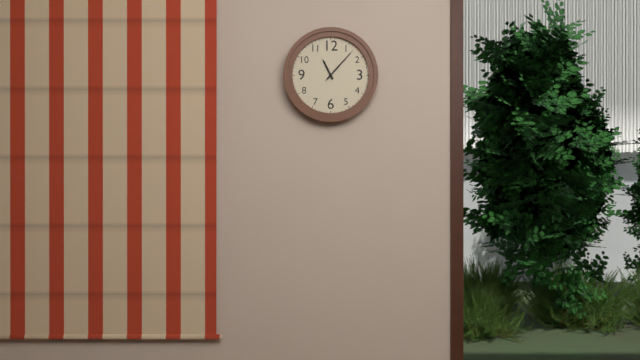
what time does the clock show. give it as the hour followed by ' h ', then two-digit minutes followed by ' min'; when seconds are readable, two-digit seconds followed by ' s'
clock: 11 h 07 min
